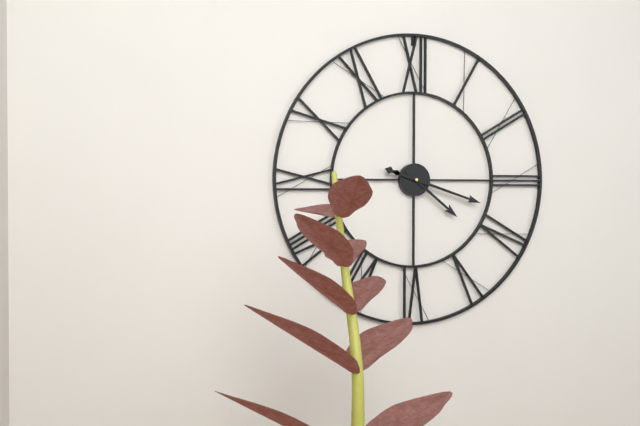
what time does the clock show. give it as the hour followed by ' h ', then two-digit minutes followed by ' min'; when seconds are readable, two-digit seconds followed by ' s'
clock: 4 h 18 min
